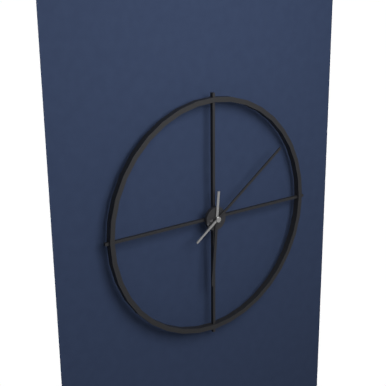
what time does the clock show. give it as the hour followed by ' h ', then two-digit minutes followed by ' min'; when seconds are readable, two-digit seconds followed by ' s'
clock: 6 h 09 min
